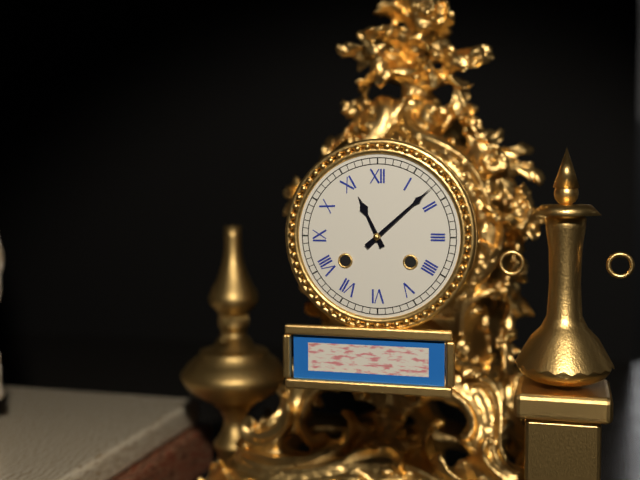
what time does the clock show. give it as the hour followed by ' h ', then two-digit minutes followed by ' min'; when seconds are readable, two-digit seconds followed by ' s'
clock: 11 h 08 min
